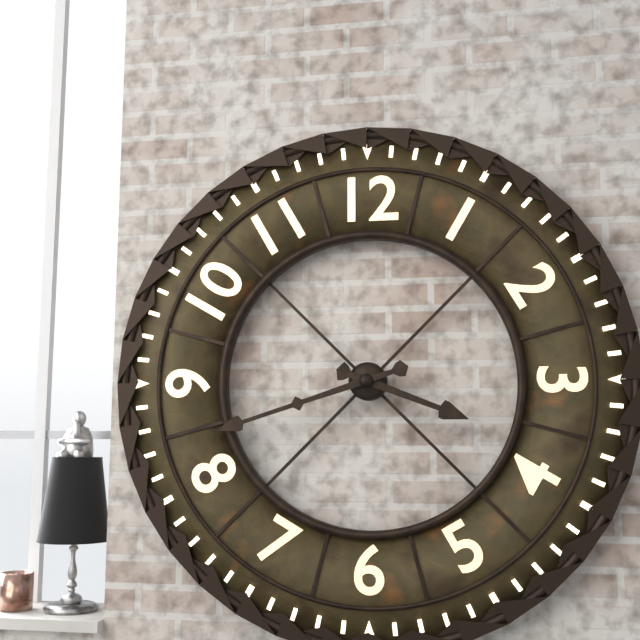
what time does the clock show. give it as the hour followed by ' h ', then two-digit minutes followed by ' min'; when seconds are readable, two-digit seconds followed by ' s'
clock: 3 h 42 min
